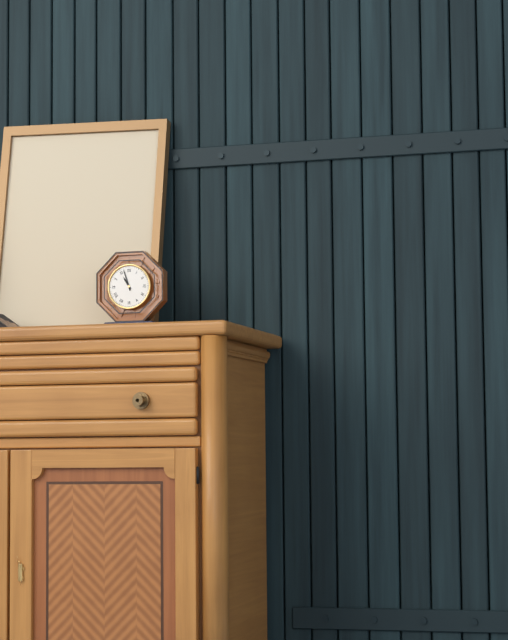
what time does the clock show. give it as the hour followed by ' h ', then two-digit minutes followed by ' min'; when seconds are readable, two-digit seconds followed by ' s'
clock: 10 h 57 min
